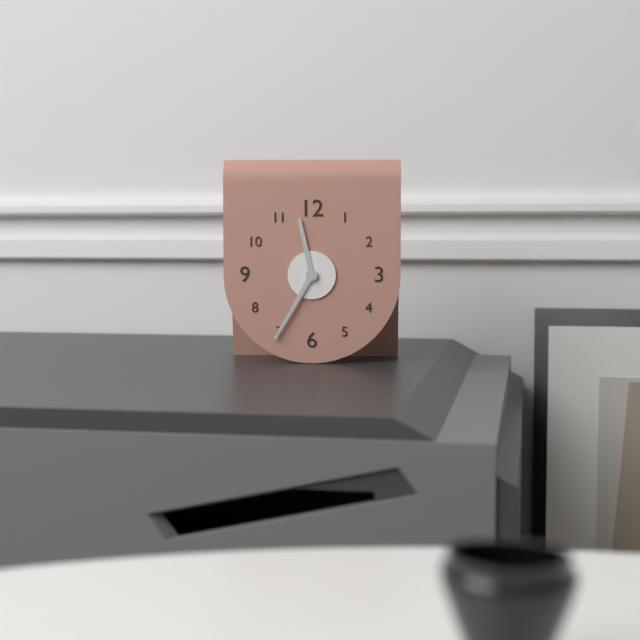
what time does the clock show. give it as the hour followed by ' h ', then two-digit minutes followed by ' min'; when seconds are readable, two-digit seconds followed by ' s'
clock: 11 h 35 min
